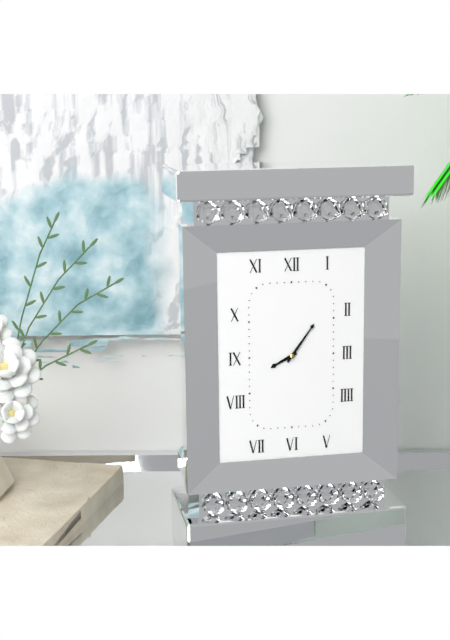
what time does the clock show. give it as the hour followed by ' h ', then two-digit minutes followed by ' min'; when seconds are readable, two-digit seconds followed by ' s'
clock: 8 h 06 min
